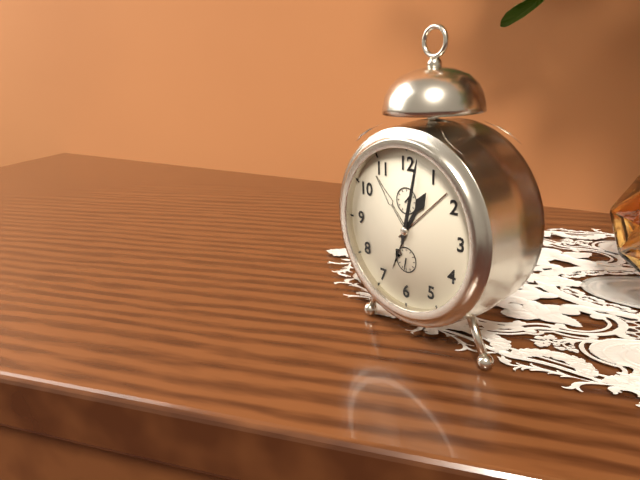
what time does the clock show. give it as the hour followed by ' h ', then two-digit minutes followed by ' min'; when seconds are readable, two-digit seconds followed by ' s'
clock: 1 h 02 min
